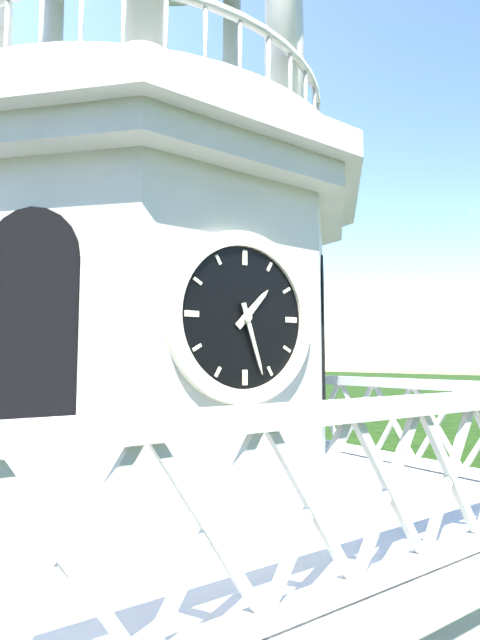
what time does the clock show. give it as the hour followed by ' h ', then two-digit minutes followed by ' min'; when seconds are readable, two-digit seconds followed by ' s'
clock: 1 h 27 min
